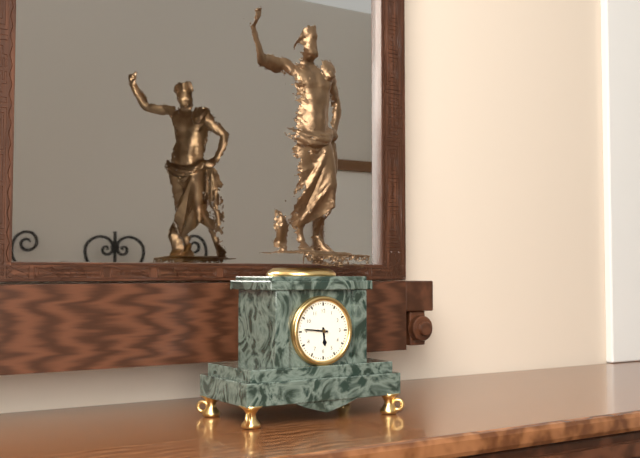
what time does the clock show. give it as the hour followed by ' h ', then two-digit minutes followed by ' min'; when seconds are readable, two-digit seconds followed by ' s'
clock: 5 h 46 min
